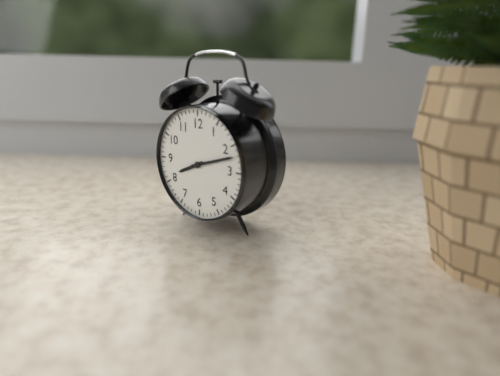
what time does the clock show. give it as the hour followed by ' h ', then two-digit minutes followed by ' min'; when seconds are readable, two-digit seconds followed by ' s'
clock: 8 h 12 min
